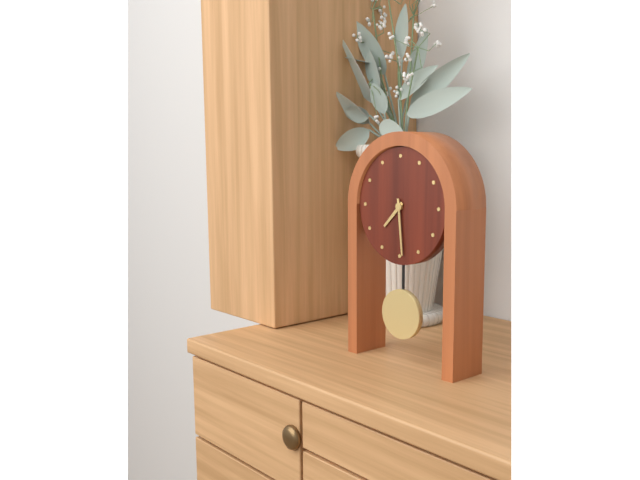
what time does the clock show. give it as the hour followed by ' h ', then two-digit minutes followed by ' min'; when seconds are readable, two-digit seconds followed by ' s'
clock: 7 h 29 min
